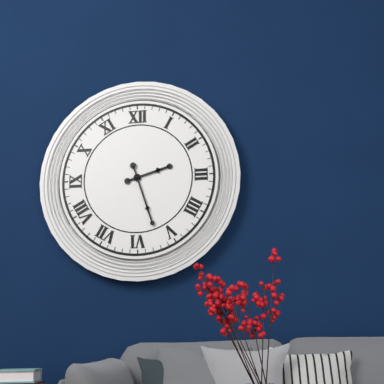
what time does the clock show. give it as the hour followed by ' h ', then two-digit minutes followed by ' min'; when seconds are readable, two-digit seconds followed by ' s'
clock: 2 h 27 min
